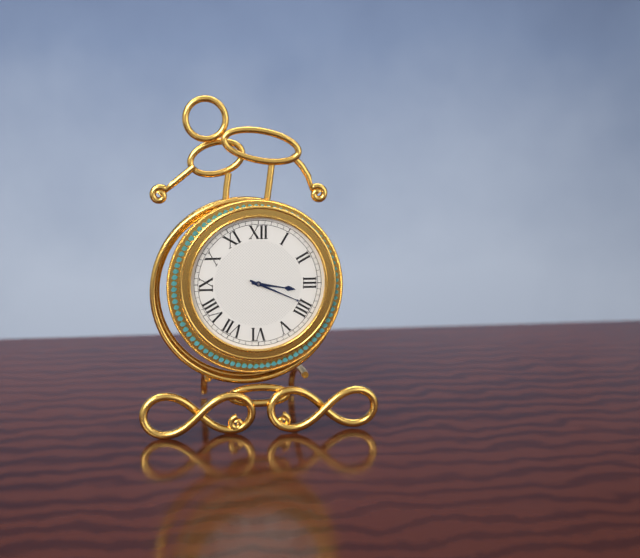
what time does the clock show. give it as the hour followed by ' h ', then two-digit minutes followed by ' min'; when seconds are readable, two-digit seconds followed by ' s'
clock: 3 h 19 min
